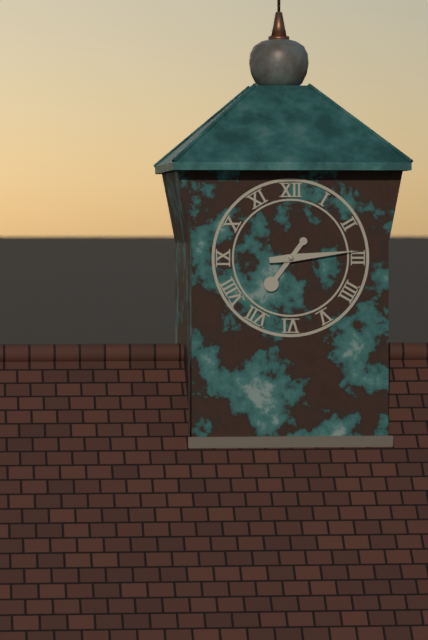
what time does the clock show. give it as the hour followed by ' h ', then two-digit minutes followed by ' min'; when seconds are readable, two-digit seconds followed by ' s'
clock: 7 h 14 min
